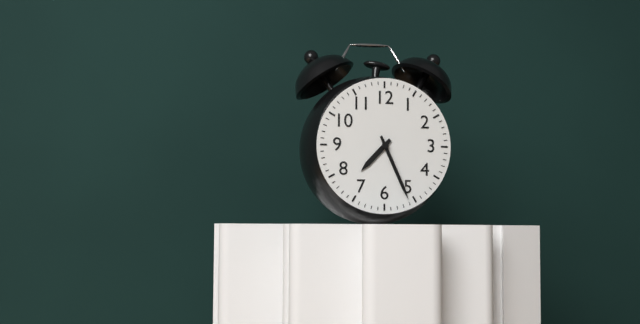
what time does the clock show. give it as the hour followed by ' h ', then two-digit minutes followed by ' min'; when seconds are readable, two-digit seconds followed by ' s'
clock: 7 h 26 min
